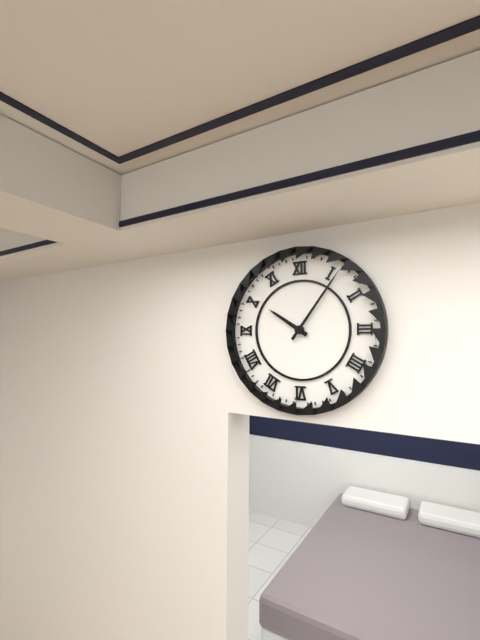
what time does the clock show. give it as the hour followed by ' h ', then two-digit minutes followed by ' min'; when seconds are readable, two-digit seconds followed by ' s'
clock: 10 h 06 min
